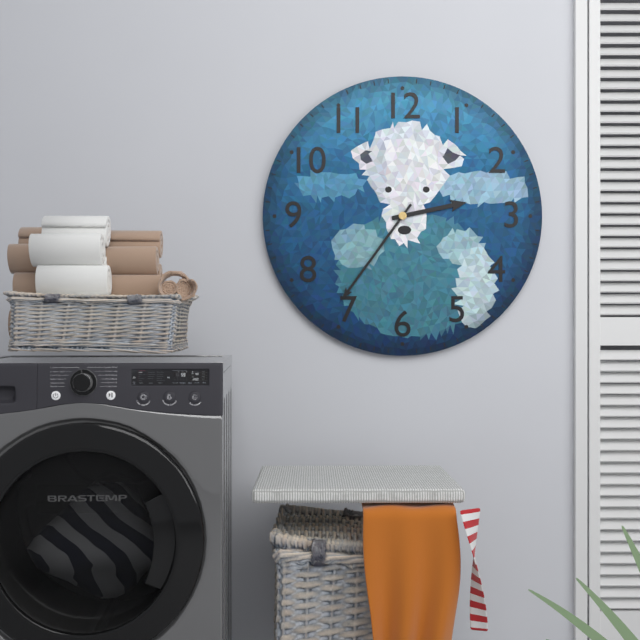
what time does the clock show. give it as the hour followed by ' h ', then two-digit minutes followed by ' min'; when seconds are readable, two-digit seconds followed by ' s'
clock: 2 h 36 min
